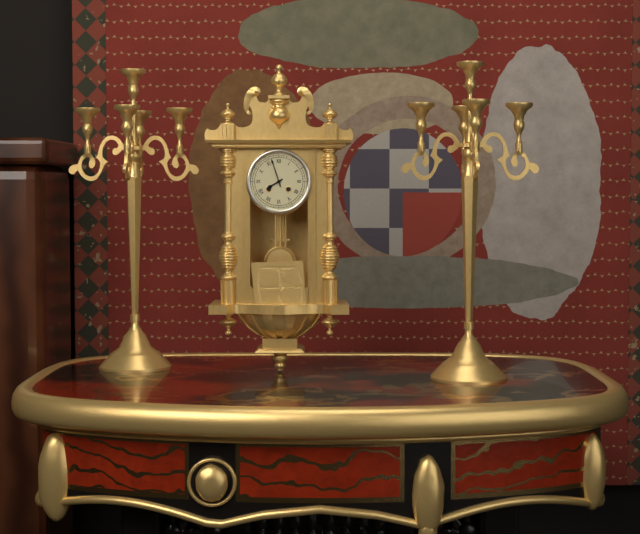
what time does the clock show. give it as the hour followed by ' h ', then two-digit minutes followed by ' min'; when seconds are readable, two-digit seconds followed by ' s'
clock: 7 h 57 min
